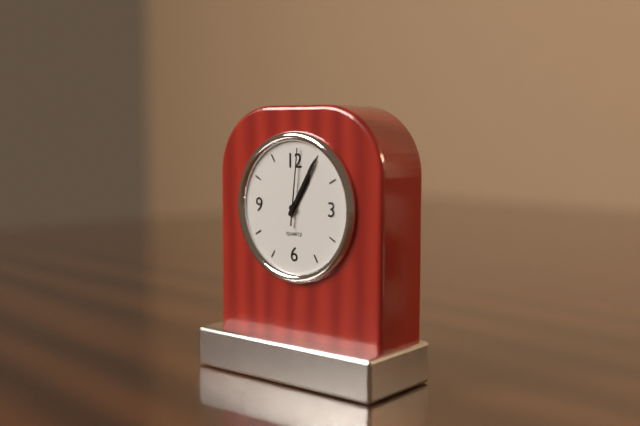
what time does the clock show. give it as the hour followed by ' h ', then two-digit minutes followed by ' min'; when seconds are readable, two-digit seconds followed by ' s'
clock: 1 h 05 min 01 s
